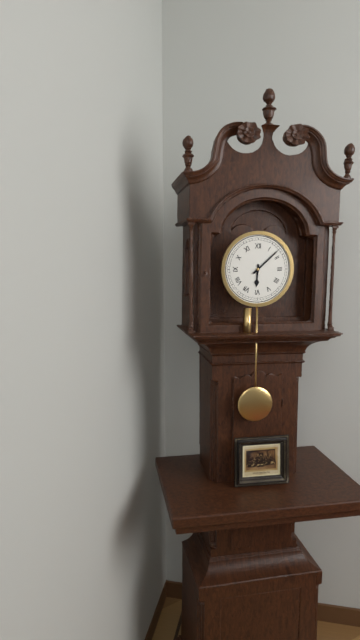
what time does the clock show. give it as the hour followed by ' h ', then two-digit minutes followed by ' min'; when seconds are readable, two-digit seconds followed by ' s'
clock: 6 h 08 min
